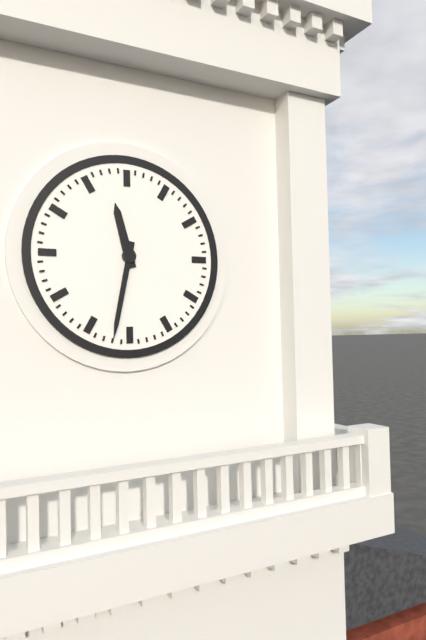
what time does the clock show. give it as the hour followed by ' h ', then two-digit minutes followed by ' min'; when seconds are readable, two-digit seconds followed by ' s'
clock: 11 h 32 min
